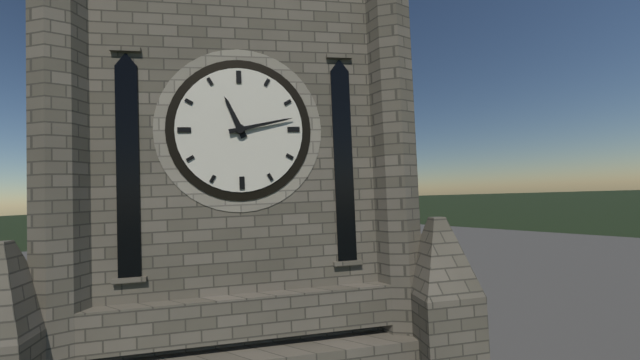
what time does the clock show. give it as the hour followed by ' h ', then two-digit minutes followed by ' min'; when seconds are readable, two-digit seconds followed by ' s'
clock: 11 h 13 min
